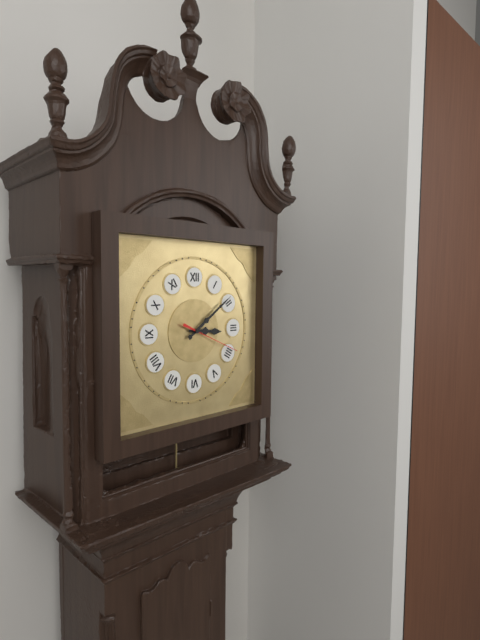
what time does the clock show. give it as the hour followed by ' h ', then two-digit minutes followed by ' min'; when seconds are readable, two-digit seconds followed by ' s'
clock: 3 h 09 min 19 s
